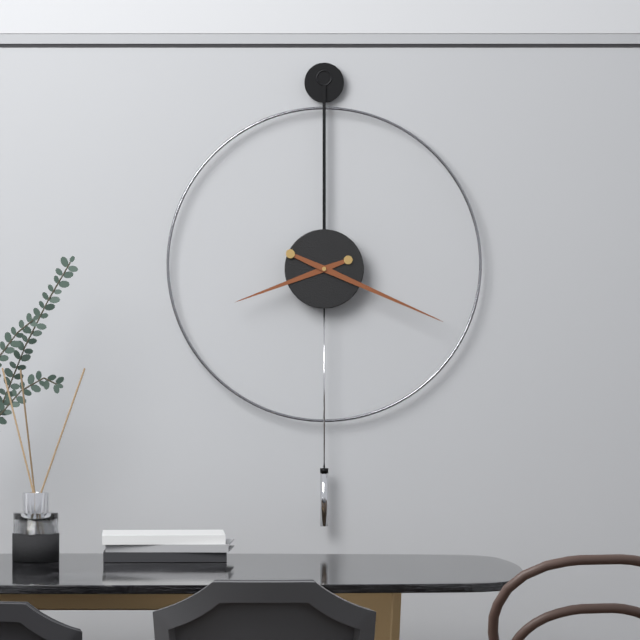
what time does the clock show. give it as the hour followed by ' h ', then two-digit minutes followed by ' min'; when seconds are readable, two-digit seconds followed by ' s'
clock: 8 h 19 min
